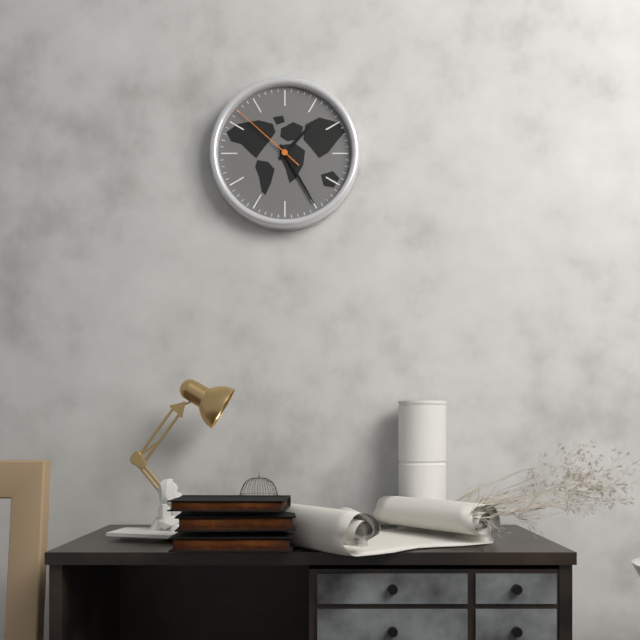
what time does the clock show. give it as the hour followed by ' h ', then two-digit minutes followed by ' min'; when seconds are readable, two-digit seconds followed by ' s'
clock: 1 h 25 min 52 s
